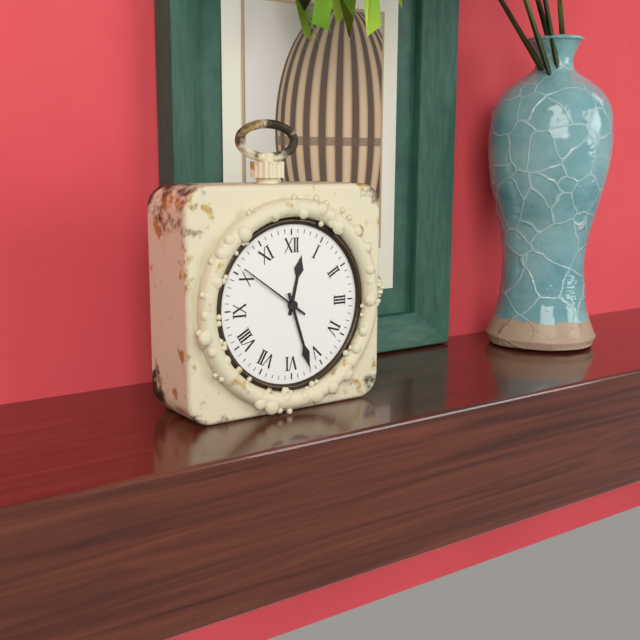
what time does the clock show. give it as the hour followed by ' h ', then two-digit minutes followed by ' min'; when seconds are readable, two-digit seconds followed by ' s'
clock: 12 h 27 min 51 s
